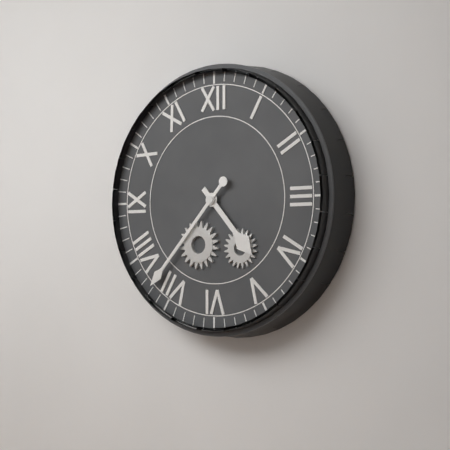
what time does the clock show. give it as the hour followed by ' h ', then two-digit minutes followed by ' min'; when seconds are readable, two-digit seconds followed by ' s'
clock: 4 h 37 min
